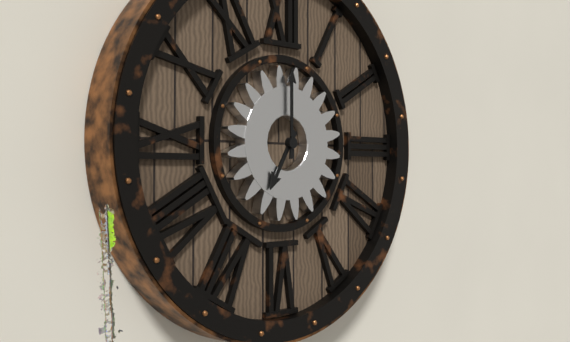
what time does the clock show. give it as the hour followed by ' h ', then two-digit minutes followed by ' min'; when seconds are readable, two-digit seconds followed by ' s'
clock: 7 h 00 min
